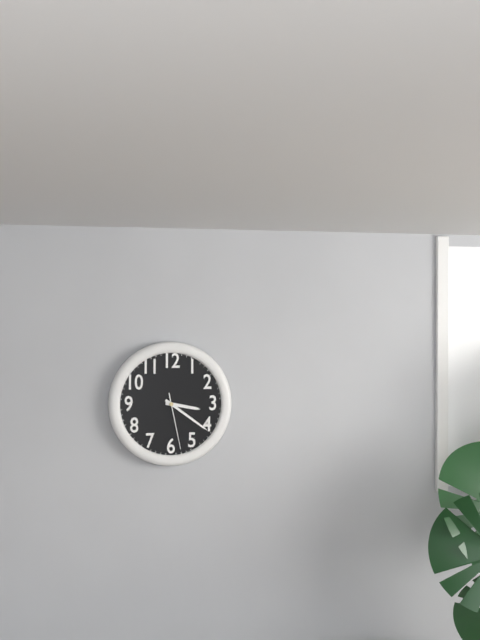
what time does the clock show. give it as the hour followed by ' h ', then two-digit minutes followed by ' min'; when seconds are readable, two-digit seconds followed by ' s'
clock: 3 h 21 min 28 s
